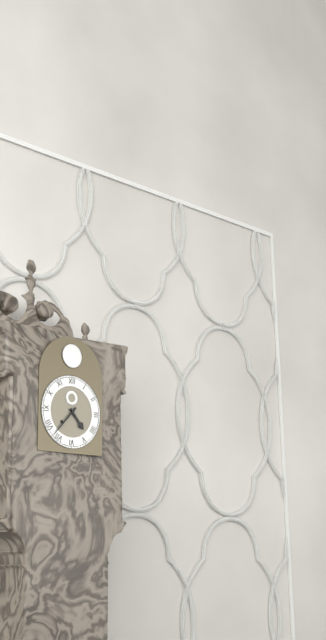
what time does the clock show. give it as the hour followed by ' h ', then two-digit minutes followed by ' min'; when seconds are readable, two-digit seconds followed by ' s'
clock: 4 h 37 min
